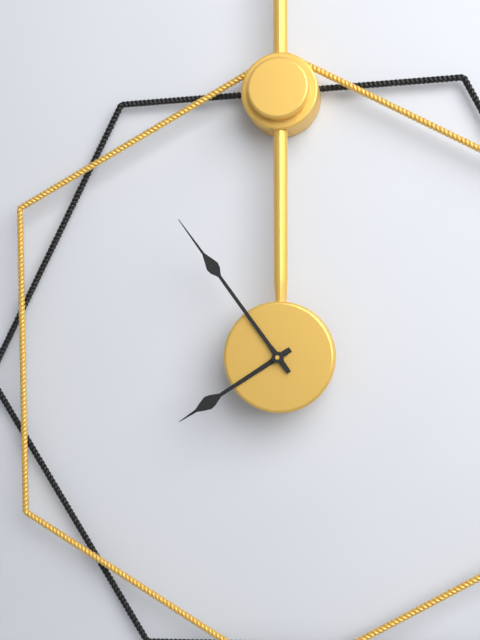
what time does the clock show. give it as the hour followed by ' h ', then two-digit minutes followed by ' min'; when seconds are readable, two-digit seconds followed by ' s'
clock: 7 h 54 min
